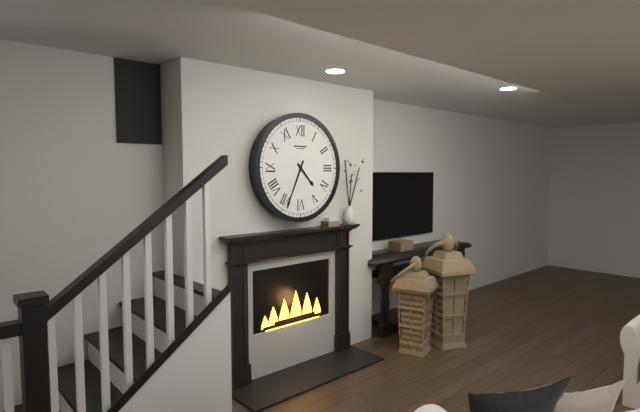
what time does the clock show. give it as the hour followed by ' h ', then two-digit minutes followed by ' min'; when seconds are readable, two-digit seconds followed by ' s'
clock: 4 h 34 min
